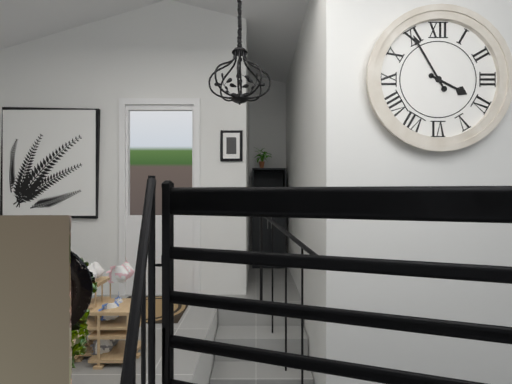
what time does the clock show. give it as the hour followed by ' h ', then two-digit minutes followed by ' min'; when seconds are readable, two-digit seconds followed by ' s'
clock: 3 h 55 min
